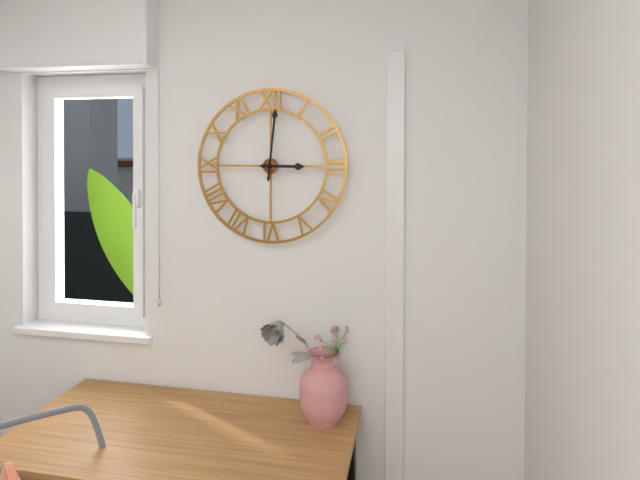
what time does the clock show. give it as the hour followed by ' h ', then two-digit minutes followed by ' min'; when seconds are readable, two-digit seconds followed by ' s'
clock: 3 h 01 min
